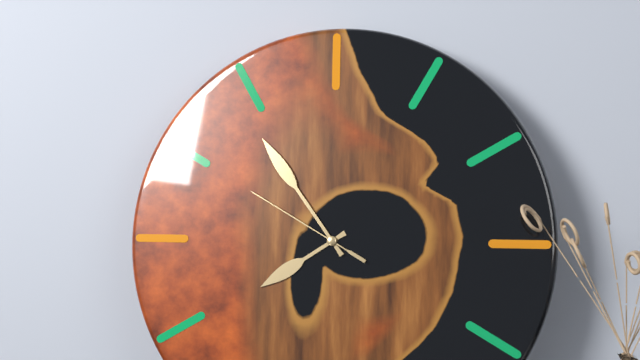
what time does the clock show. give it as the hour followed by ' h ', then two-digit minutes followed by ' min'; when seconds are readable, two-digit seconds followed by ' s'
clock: 7 h 54 min 50 s
